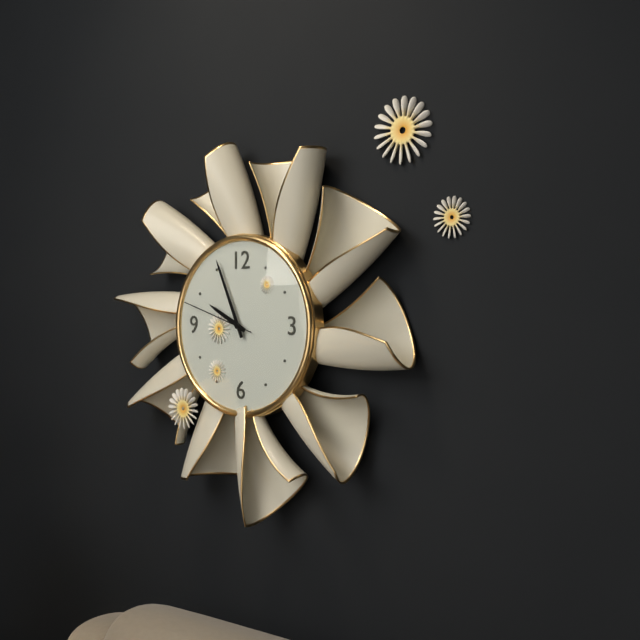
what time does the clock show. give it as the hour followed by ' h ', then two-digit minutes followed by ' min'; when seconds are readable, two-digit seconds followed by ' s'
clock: 9 h 56 min 48 s
